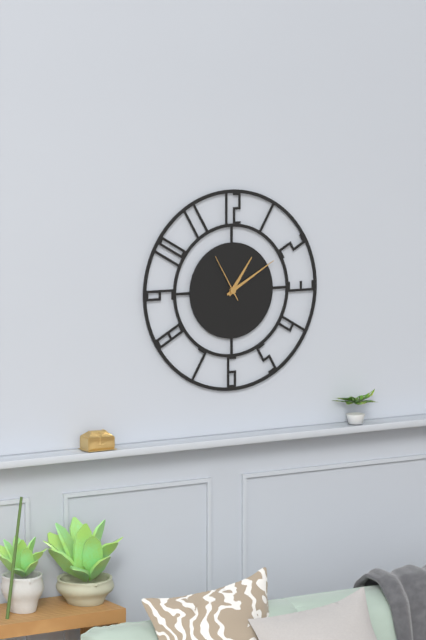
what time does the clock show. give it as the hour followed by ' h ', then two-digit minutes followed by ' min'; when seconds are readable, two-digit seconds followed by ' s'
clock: 1 h 10 min
